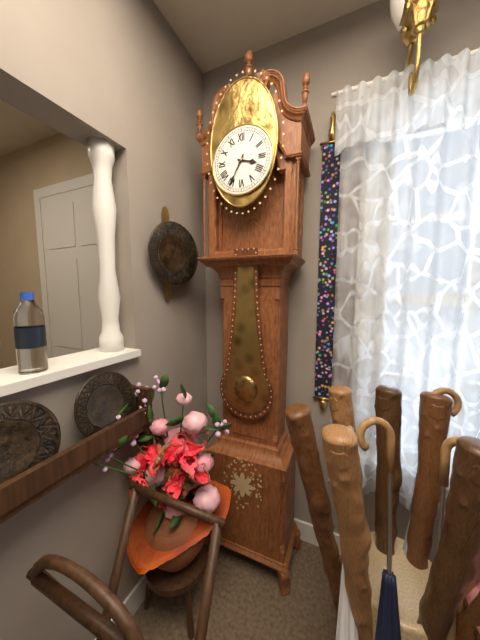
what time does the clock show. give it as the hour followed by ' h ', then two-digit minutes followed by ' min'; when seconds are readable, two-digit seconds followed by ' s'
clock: 3 h 35 min
